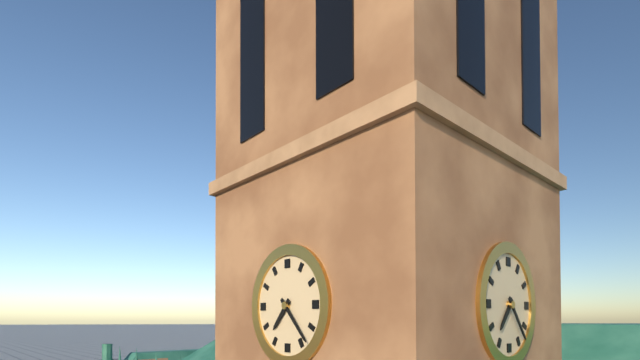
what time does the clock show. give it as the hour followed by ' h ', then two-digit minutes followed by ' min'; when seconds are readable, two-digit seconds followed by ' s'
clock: 7 h 23 min
